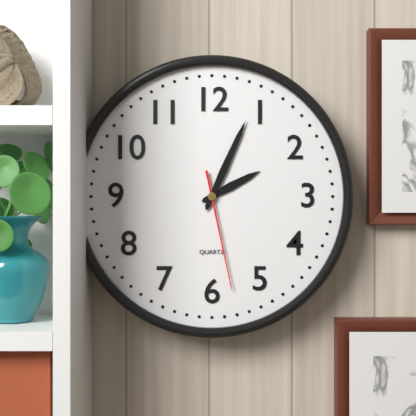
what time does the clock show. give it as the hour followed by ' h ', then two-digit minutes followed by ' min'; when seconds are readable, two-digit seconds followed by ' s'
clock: 2 h 04 min 28 s
